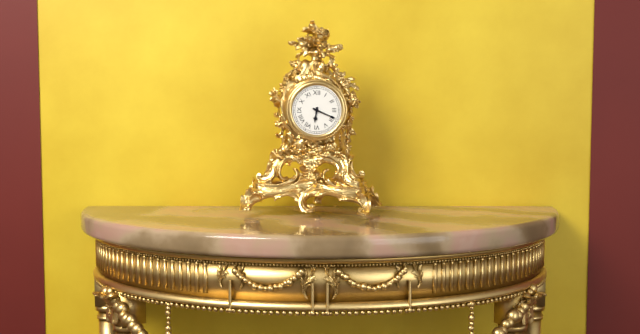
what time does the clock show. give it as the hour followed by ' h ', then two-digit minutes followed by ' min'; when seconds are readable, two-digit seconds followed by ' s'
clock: 6 h 19 min
